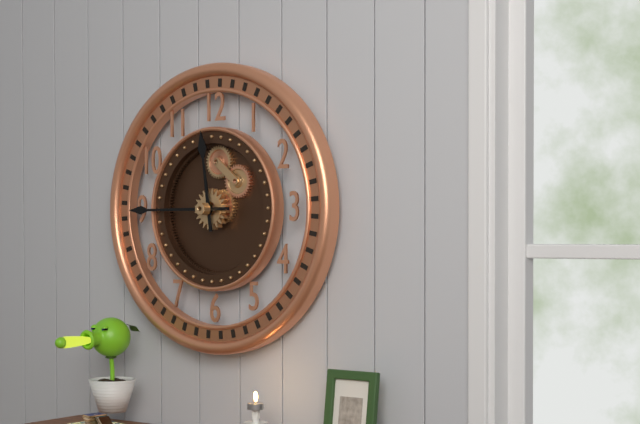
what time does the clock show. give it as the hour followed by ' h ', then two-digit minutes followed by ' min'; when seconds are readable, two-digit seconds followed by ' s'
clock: 11 h 45 min
